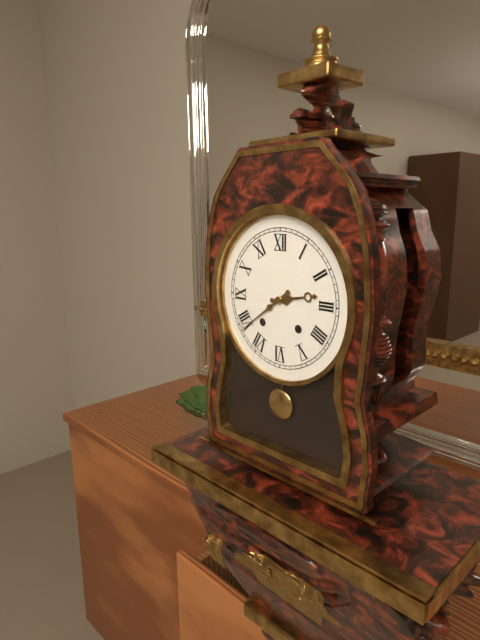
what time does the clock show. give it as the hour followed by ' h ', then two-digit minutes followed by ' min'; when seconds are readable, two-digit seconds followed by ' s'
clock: 2 h 39 min
